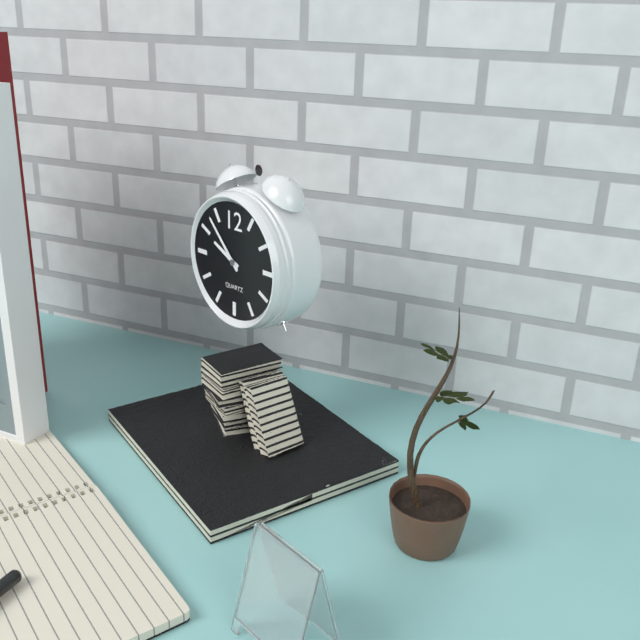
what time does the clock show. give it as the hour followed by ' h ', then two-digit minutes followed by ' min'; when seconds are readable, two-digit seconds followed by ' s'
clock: 9 h 53 min
